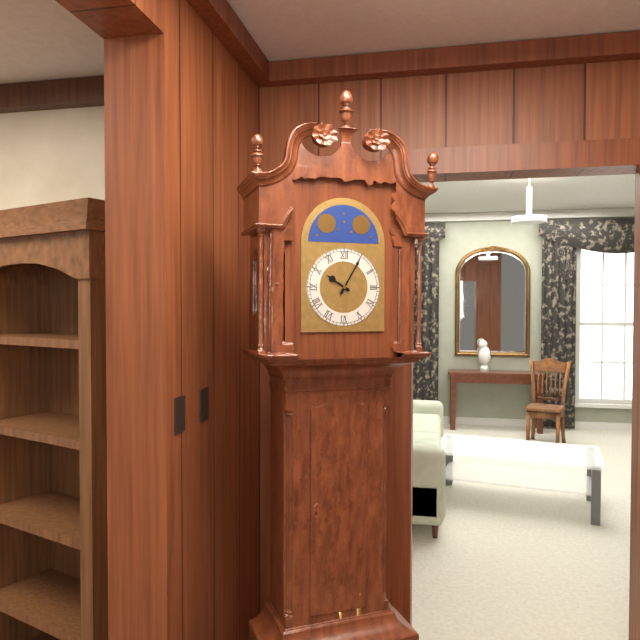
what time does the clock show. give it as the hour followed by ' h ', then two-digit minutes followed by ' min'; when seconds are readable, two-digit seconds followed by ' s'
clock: 10 h 05 min
